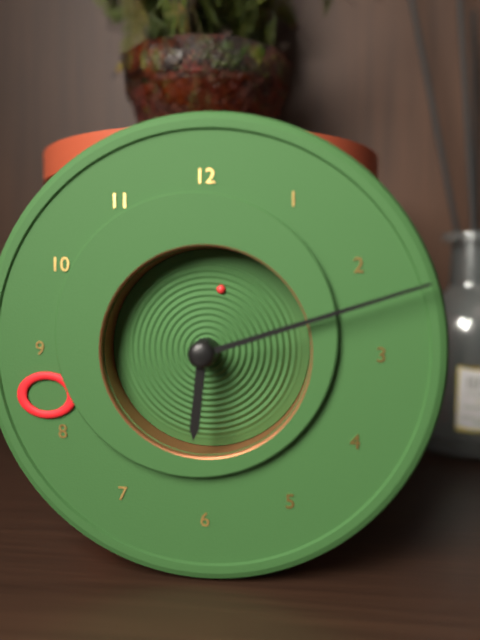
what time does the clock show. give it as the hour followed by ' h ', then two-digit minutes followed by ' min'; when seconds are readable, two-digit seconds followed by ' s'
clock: 6 h 12 min 02 s
